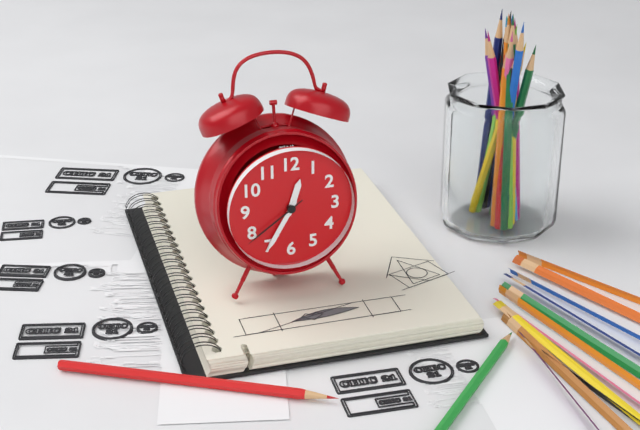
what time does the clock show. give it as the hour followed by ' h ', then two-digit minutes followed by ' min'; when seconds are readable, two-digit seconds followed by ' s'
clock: 12 h 35 min 39 s
